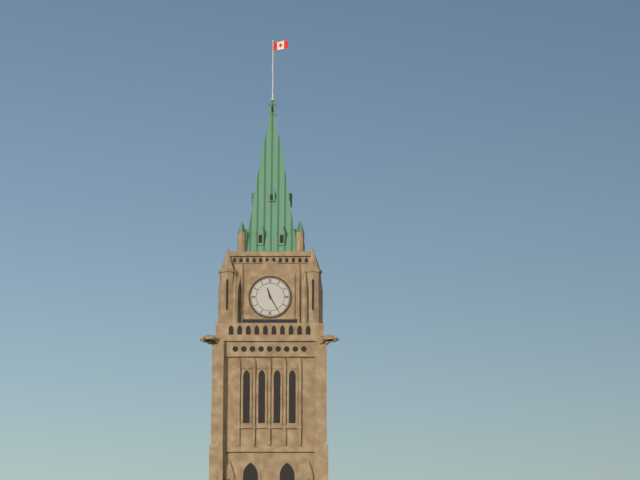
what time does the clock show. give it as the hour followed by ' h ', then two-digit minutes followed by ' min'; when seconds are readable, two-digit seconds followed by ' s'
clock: 11 h 25 min
